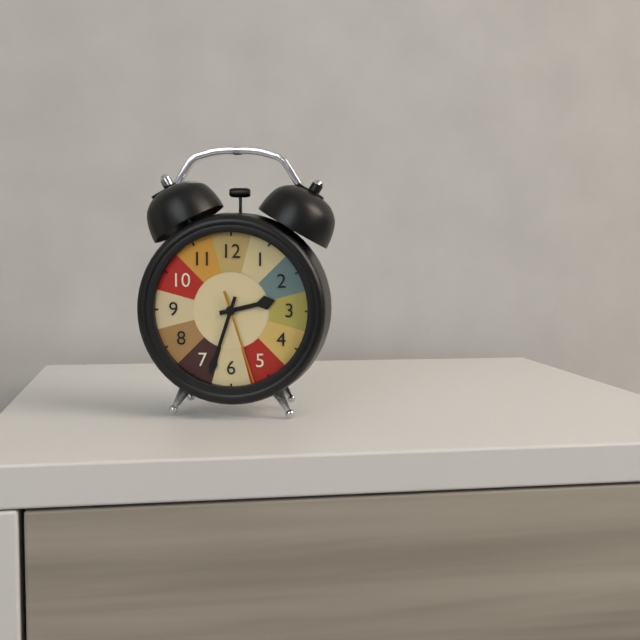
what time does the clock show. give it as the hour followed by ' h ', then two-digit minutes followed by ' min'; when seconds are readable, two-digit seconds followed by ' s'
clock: 2 h 33 min 27 s
